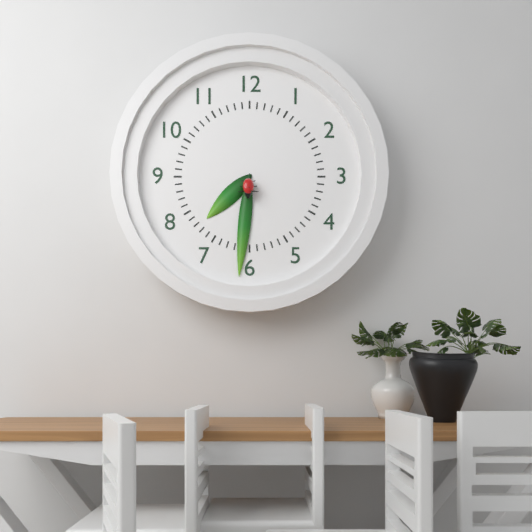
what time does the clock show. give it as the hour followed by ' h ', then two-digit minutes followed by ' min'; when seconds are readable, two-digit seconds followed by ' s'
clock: 7 h 31 min
